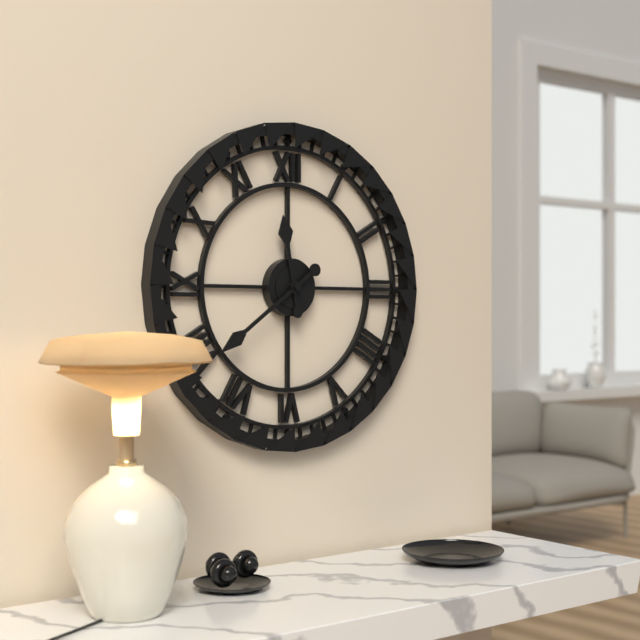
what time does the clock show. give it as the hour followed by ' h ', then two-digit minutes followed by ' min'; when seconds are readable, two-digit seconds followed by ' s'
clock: 11 h 39 min
